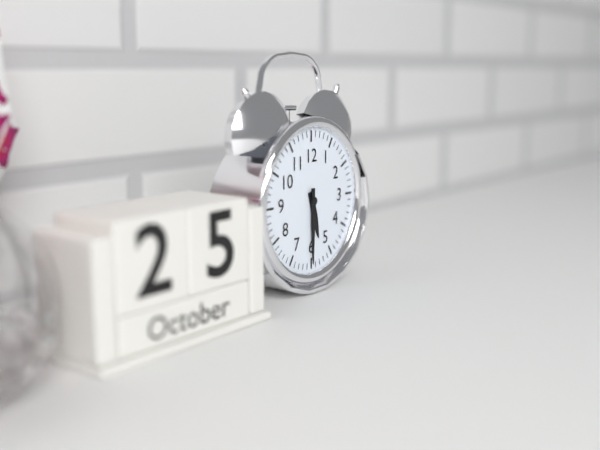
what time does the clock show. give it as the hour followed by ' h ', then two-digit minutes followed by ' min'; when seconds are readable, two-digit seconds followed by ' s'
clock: 5 h 30 min
